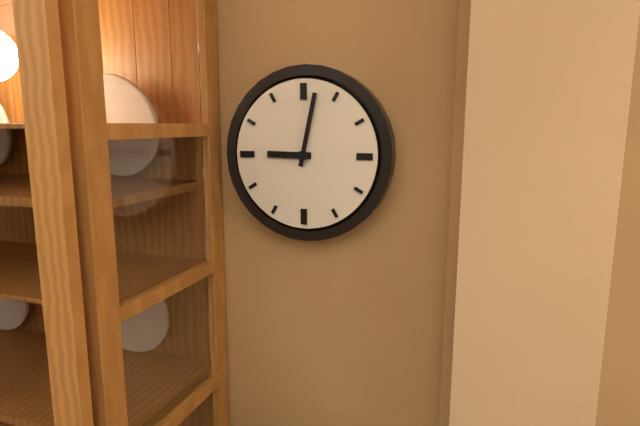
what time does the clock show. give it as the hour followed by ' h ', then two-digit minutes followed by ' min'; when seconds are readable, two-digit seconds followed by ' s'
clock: 9 h 02 min
